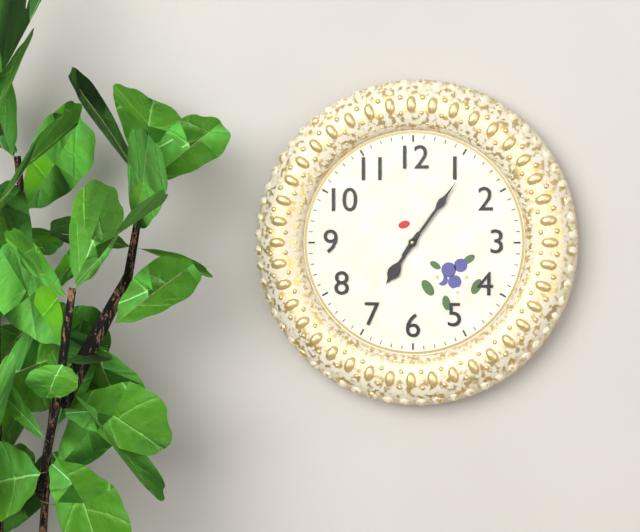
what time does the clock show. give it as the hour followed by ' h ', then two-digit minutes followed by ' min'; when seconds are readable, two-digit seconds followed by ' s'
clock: 7 h 06 min
